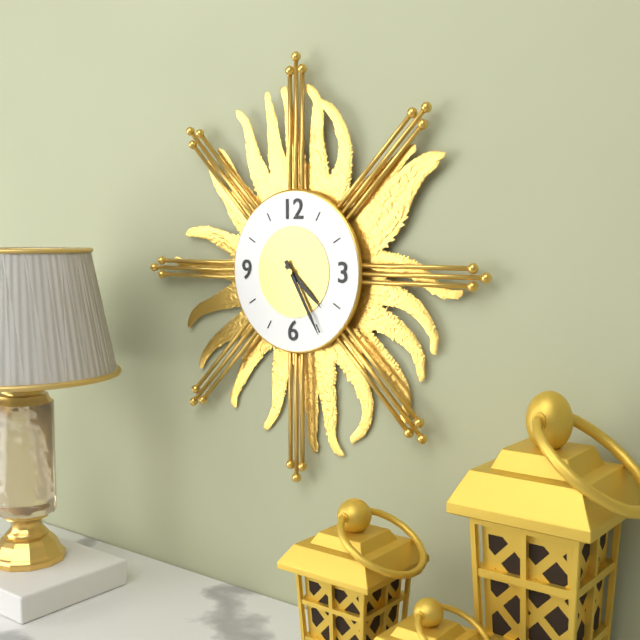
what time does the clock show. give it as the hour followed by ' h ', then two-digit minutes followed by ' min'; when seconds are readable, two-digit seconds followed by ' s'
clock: 4 h 25 min
